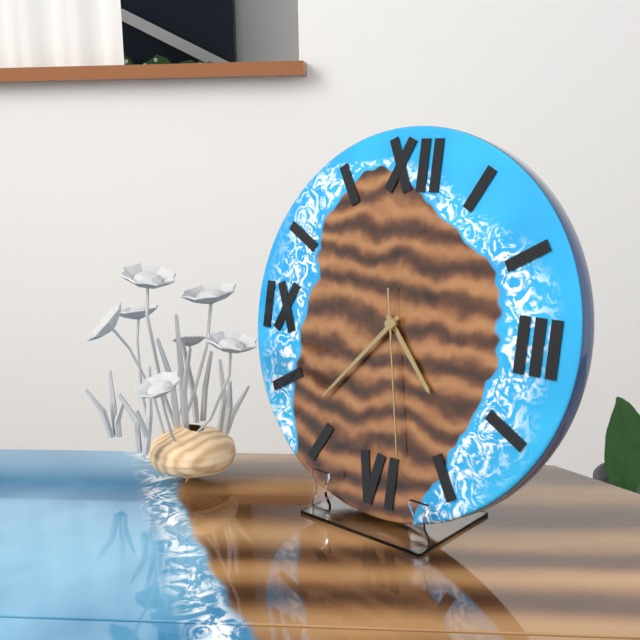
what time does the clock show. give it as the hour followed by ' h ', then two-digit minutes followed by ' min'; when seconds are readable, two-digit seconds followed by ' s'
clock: 4 h 37 min 28 s
